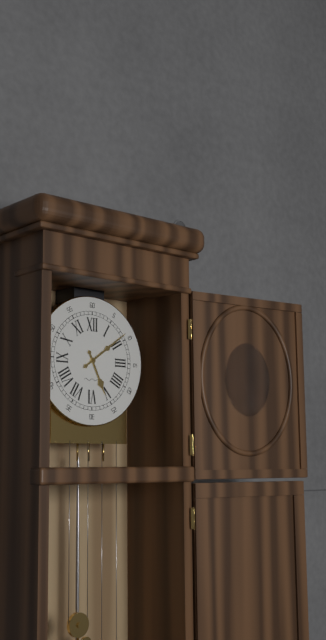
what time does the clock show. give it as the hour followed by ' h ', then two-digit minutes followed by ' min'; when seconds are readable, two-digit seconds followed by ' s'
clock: 5 h 09 min
